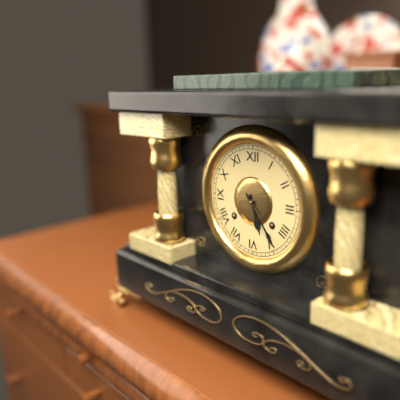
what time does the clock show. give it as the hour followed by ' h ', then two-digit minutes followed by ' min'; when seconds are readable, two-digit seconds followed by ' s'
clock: 5 h 24 min
